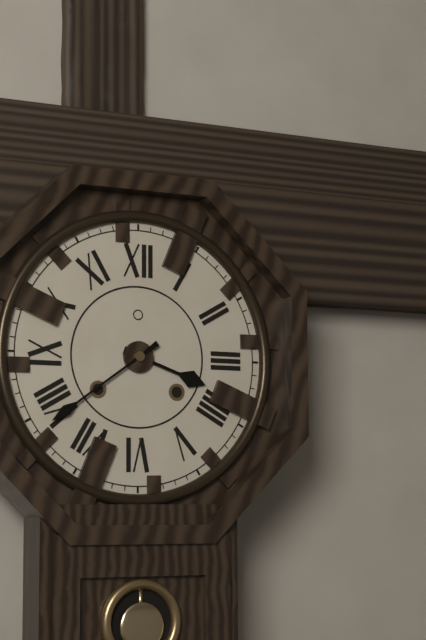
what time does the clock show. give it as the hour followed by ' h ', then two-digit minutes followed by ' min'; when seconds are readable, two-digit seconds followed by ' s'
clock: 3 h 39 min
